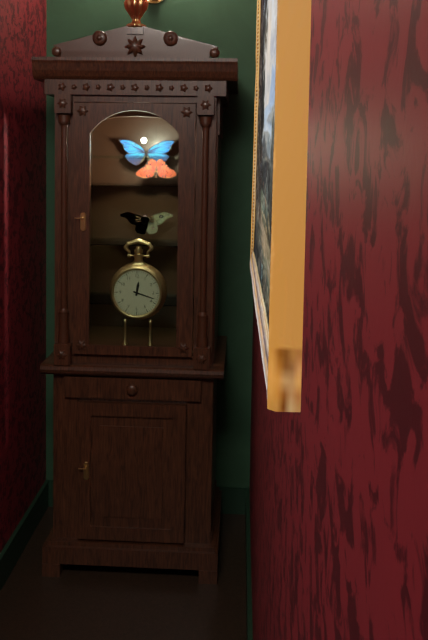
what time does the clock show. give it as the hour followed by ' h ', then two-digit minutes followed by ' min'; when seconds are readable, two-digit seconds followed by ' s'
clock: 12 h 18 min
